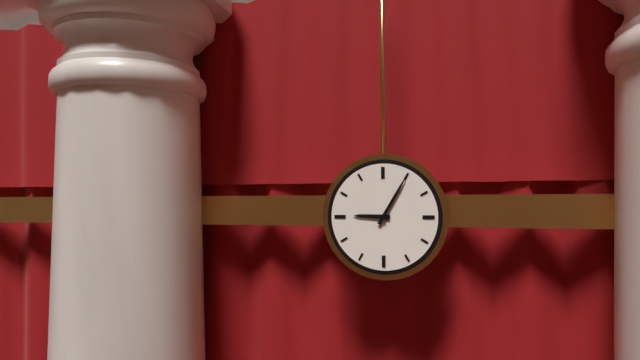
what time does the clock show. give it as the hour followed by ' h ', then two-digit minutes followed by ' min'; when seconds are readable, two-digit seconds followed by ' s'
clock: 9 h 05 min
